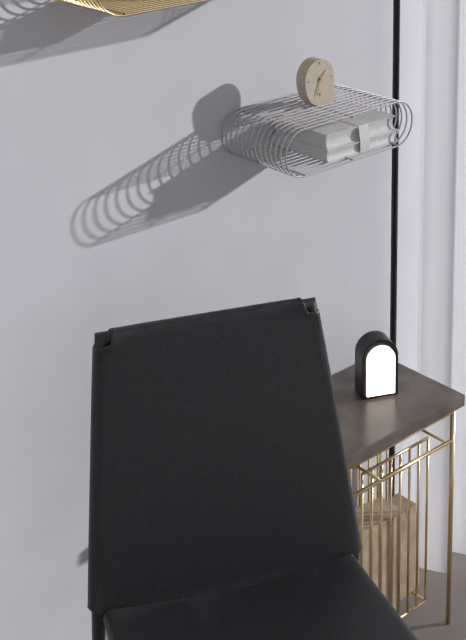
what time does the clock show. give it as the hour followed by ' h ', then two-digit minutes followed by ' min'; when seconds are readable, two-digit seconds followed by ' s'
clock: 1 h 33 min
